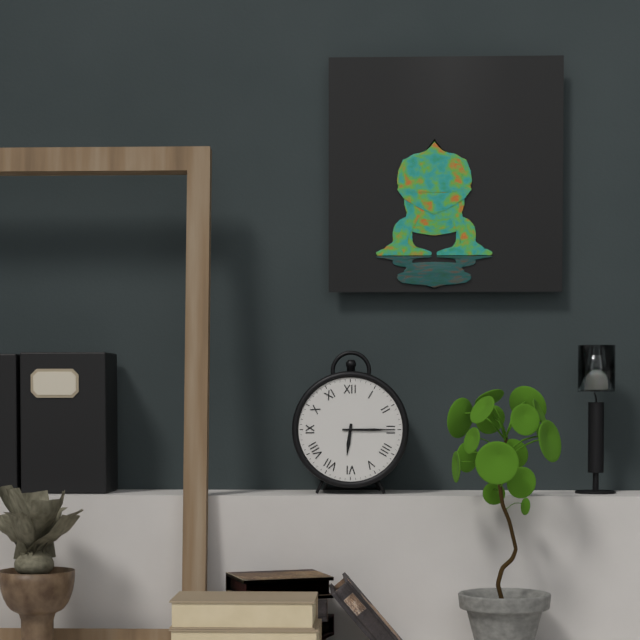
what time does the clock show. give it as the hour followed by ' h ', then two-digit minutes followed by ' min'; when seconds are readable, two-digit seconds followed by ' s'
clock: 6 h 15 min
